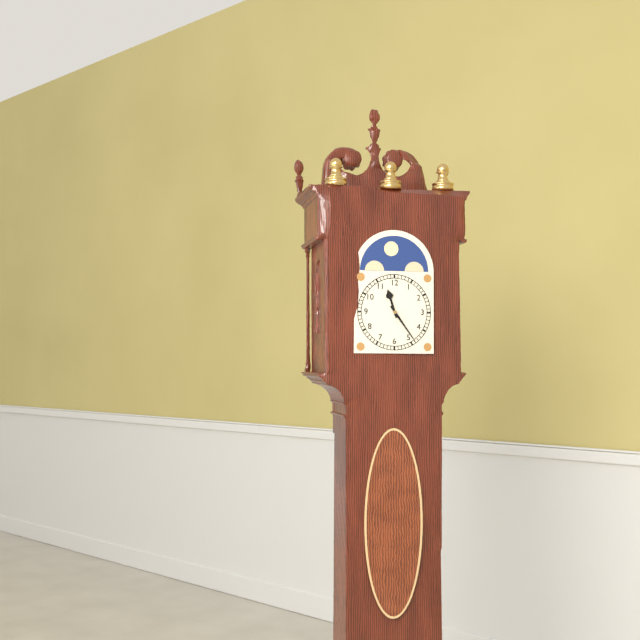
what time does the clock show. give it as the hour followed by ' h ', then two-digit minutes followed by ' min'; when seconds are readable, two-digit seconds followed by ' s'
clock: 11 h 24 min
